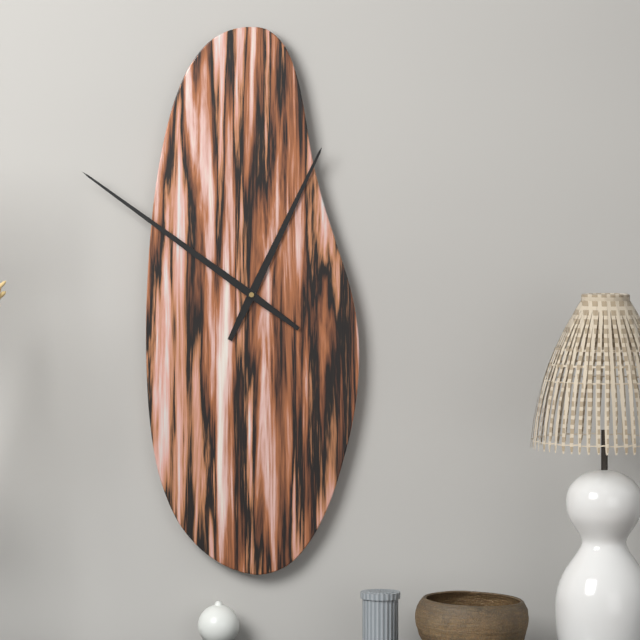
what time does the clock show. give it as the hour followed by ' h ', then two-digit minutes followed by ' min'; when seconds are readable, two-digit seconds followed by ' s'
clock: 12 h 51 min
